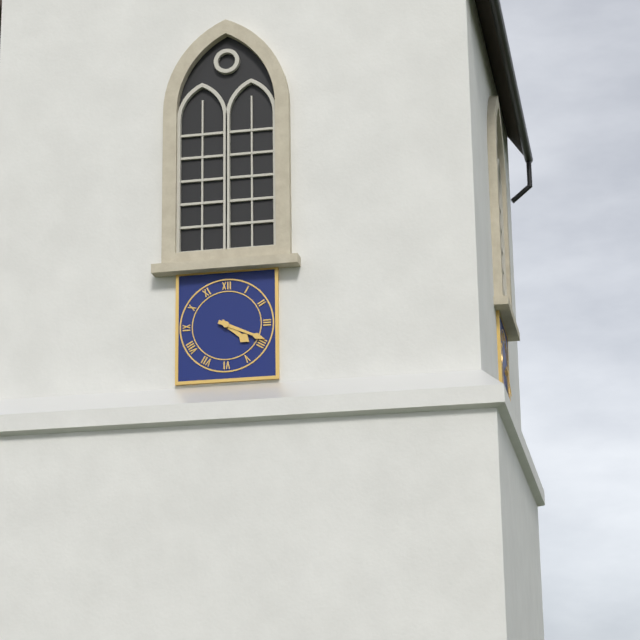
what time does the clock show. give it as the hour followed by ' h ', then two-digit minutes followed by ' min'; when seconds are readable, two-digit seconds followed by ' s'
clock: 4 h 19 min
